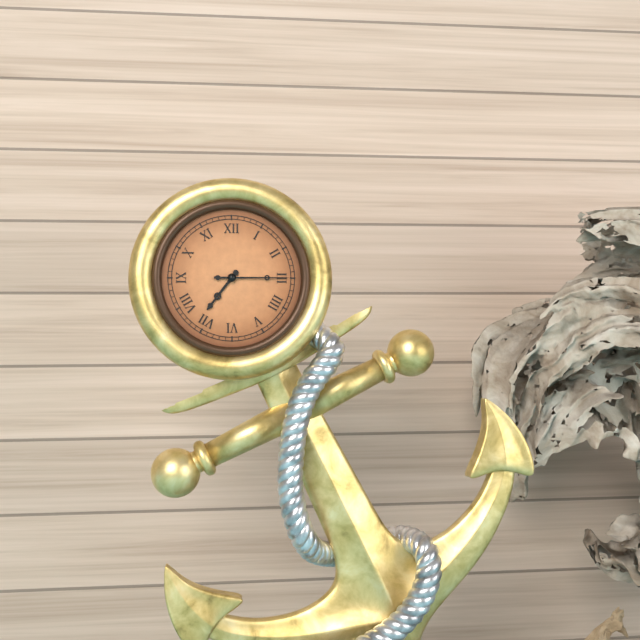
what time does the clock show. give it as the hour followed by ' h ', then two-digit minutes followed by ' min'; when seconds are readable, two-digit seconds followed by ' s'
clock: 7 h 15 min
